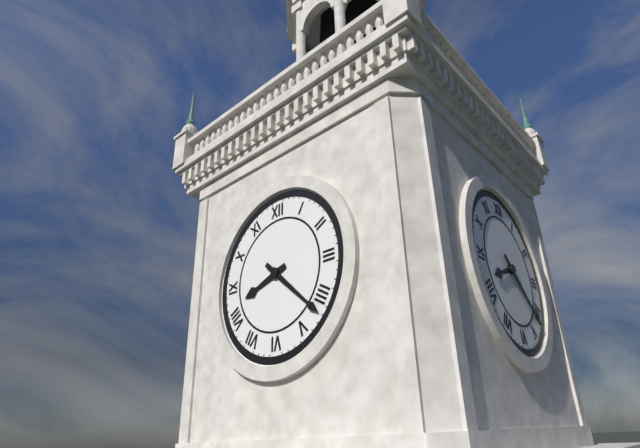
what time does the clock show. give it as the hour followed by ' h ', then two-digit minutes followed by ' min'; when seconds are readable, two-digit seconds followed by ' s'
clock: 8 h 22 min
